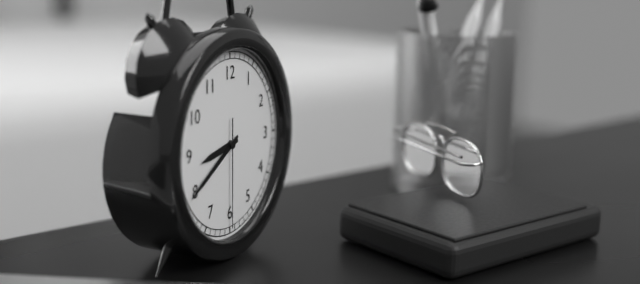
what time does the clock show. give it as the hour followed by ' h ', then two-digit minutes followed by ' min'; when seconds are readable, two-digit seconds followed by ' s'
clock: 8 h 40 min 30 s
